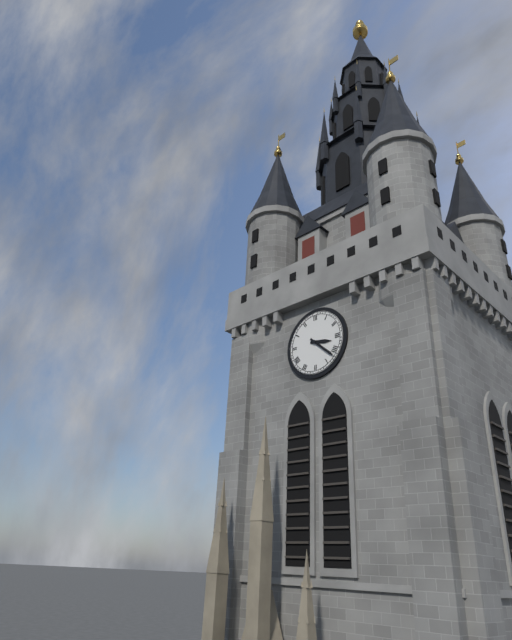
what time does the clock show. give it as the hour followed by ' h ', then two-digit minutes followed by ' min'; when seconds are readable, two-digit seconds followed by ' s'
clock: 3 h 22 min
